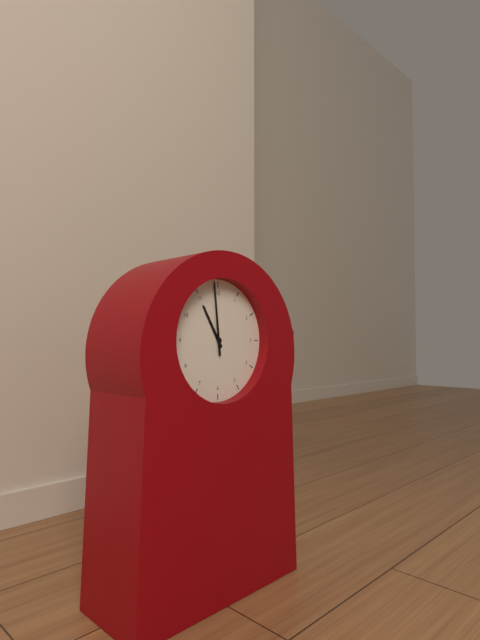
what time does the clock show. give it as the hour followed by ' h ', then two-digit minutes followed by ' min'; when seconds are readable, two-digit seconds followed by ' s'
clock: 10 h 59 min
